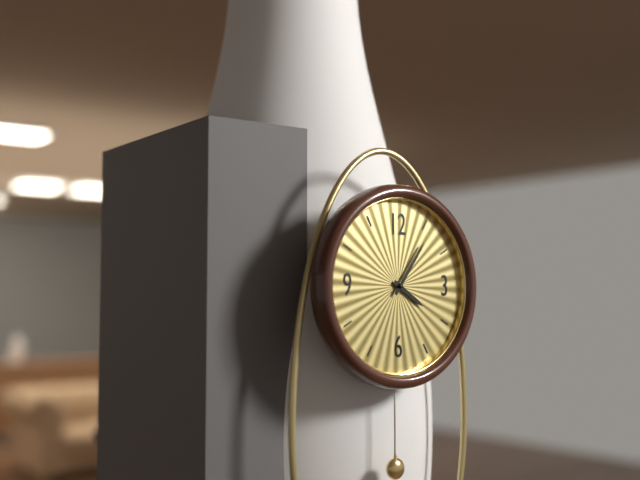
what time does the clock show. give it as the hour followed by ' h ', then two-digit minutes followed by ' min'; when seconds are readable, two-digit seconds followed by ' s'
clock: 4 h 06 min
